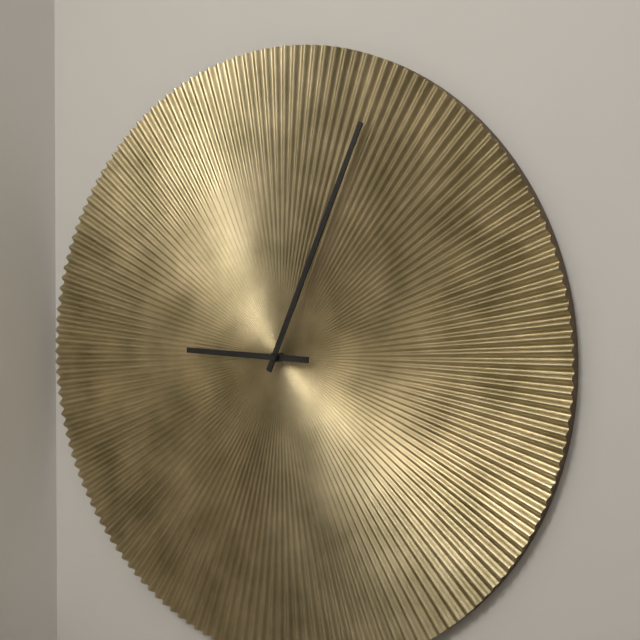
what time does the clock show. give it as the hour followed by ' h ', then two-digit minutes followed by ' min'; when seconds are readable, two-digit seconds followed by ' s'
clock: 9 h 04 min
